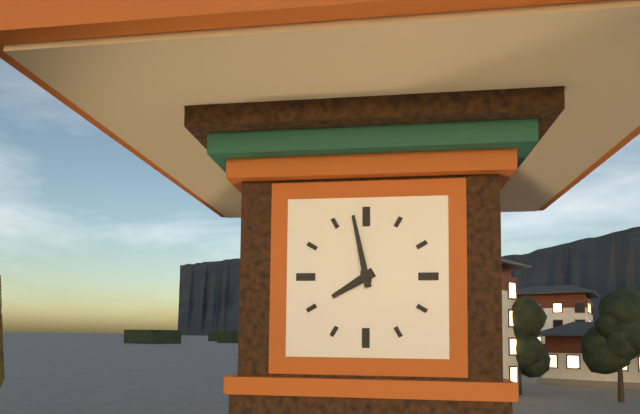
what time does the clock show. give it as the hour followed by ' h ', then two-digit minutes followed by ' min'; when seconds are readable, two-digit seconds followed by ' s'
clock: 7 h 58 min
